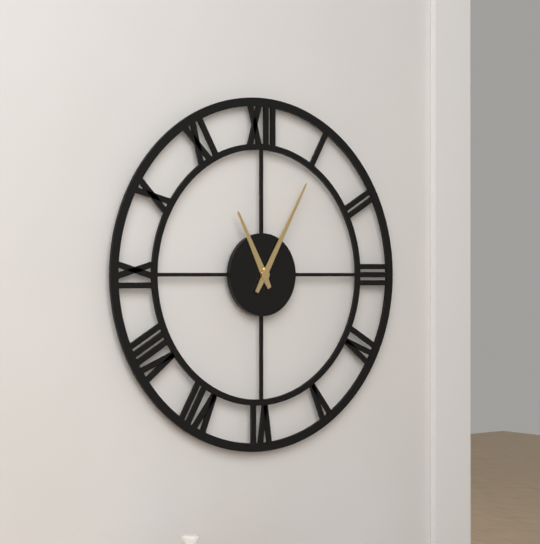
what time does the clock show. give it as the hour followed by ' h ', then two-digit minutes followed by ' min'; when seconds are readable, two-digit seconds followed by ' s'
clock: 11 h 05 min
